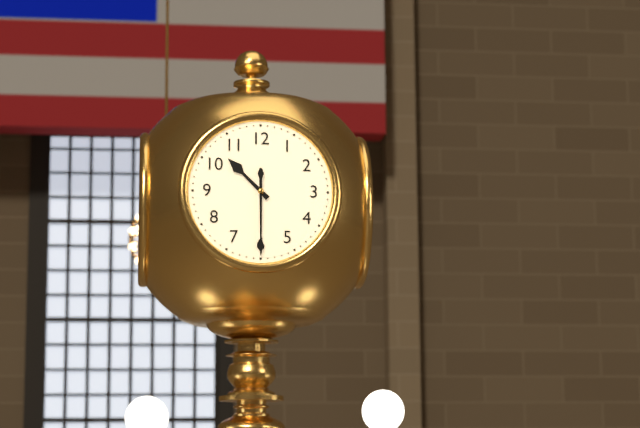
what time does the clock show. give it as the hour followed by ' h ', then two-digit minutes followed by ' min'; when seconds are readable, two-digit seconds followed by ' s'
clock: 10 h 30 min
